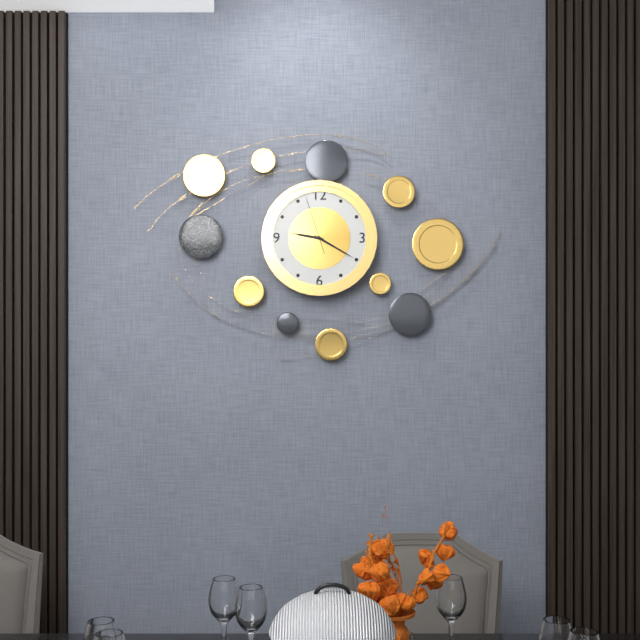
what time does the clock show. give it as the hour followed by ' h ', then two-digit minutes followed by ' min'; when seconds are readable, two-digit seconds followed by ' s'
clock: 9 h 20 min 57 s
